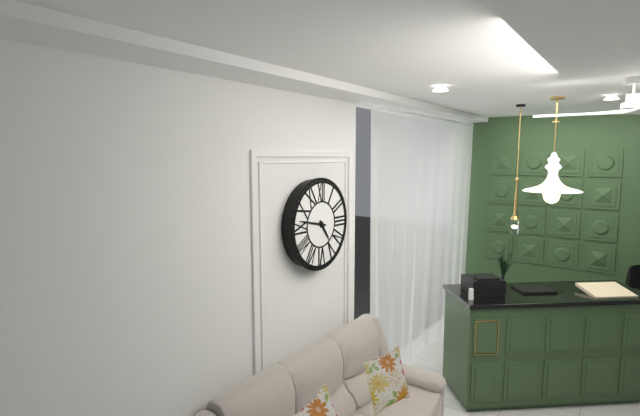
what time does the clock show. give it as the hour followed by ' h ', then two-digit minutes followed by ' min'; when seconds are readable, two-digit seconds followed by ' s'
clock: 4 h 47 min
